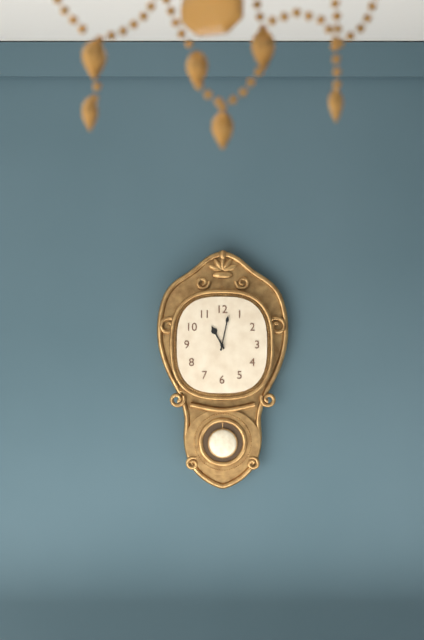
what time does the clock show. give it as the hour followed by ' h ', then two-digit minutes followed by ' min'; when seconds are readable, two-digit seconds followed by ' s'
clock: 11 h 02 min
